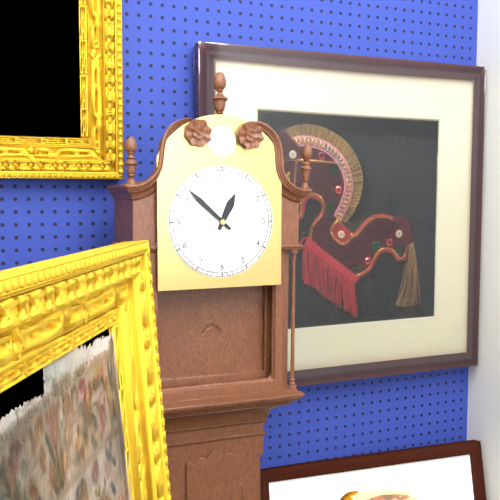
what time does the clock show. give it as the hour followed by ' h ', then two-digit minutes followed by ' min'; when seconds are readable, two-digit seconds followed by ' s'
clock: 12 h 52 min
